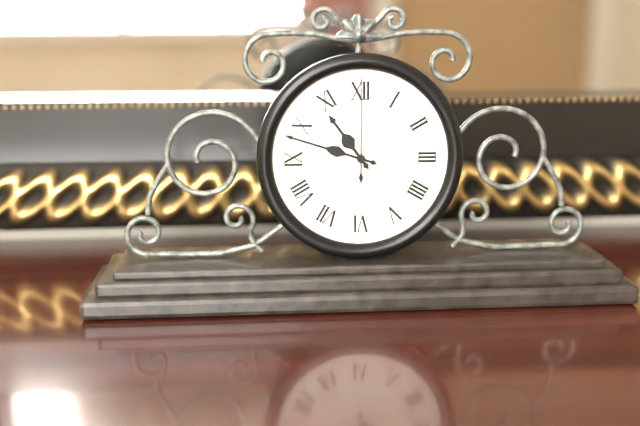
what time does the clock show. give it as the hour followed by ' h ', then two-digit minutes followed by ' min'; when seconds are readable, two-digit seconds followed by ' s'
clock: 10 h 48 min 00 s
